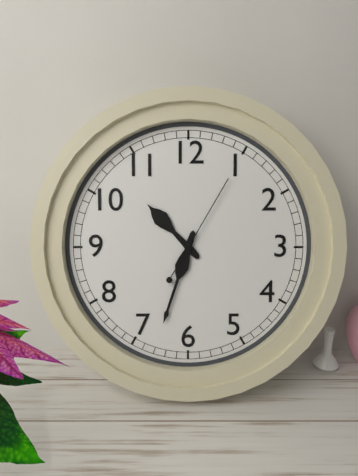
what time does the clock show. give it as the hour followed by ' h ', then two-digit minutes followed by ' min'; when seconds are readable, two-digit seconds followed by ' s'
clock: 10 h 33 min 05 s
